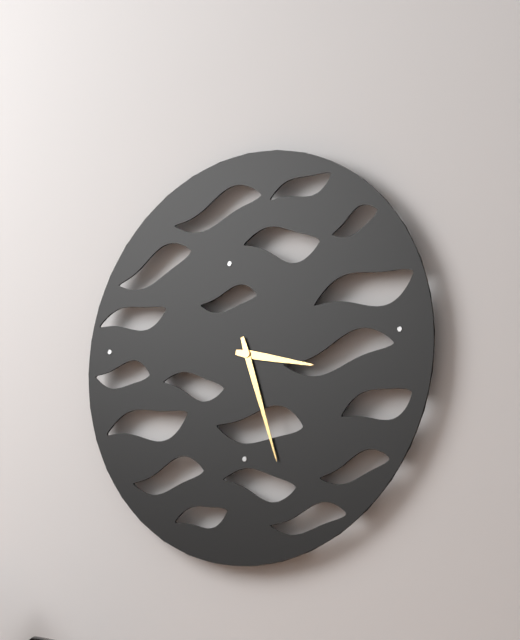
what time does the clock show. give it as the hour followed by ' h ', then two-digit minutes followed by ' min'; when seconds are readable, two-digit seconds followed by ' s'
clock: 3 h 27 min
